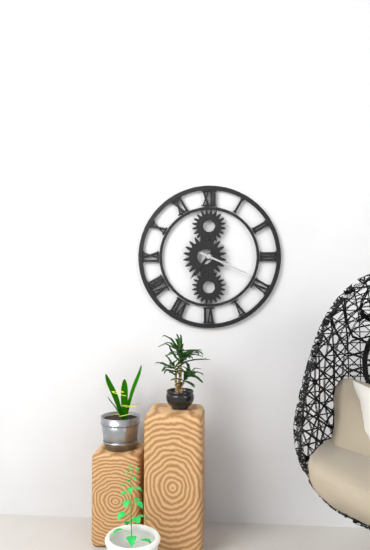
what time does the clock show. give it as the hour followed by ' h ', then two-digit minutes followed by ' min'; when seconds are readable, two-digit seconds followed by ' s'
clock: 7 h 19 min
